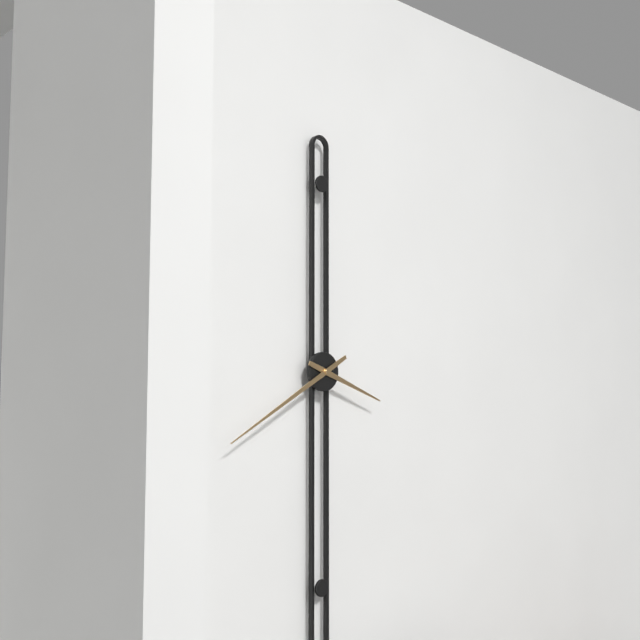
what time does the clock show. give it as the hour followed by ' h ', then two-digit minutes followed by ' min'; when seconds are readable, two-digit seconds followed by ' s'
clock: 3 h 40 min
